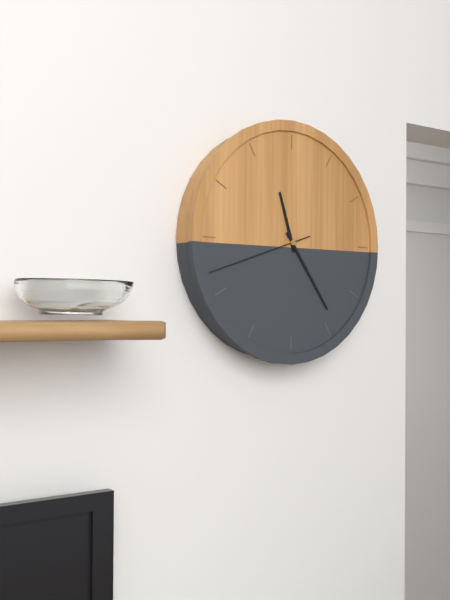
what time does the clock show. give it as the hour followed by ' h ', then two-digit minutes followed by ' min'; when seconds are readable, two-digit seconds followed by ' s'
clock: 11 h 24 min 42 s
